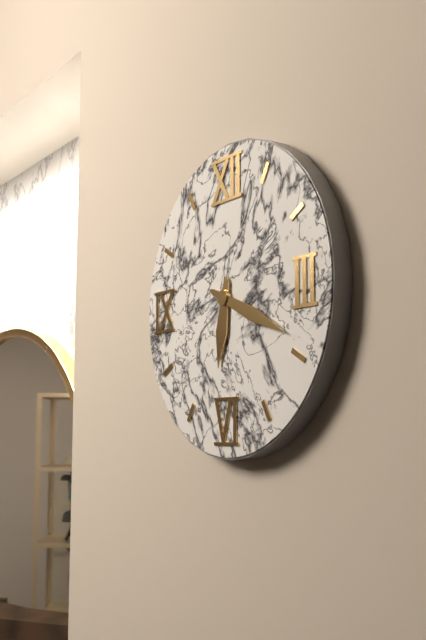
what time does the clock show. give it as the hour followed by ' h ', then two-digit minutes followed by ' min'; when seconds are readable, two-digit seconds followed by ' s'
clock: 6 h 19 min
